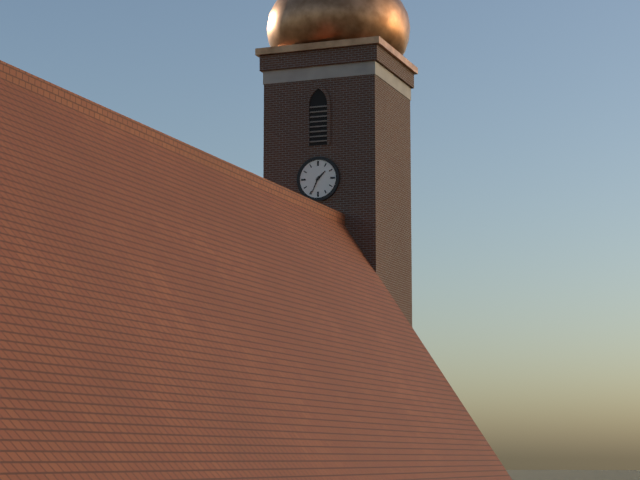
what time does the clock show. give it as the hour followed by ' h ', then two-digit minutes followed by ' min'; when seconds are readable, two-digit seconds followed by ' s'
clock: 1 h 34 min
